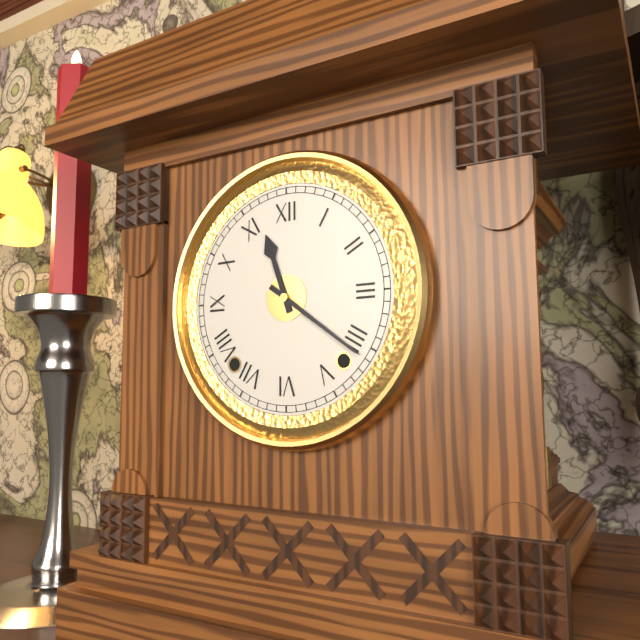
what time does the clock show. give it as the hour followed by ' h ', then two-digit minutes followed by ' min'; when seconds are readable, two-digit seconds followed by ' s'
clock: 11 h 21 min
